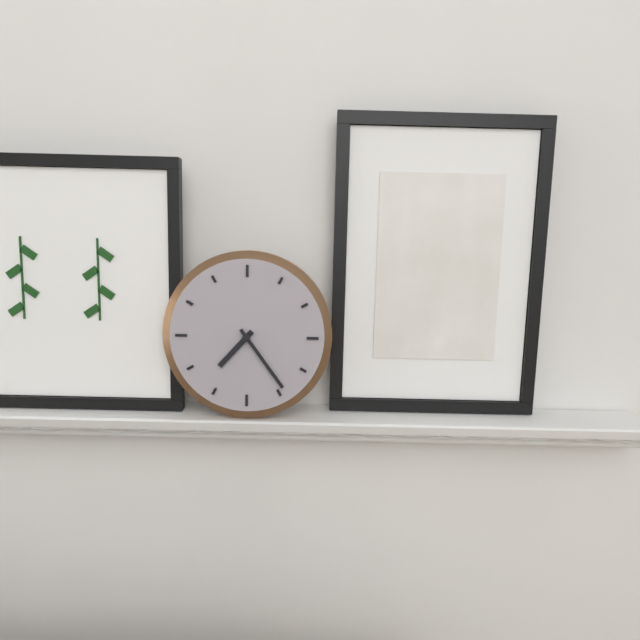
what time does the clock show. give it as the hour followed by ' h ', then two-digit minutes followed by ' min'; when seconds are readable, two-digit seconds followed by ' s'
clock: 7 h 24 min
